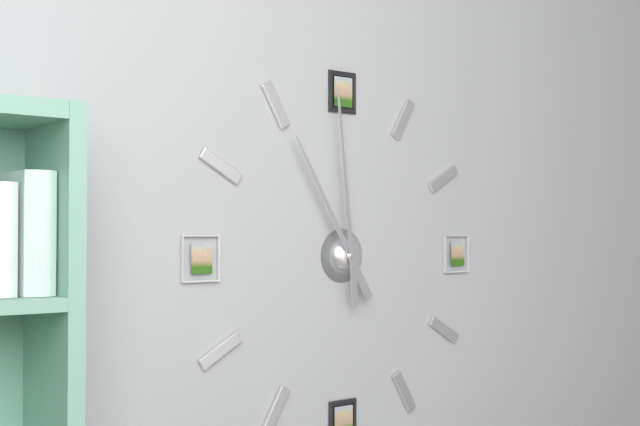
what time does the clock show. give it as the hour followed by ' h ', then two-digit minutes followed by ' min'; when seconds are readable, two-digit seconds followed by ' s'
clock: 10 h 59 min
